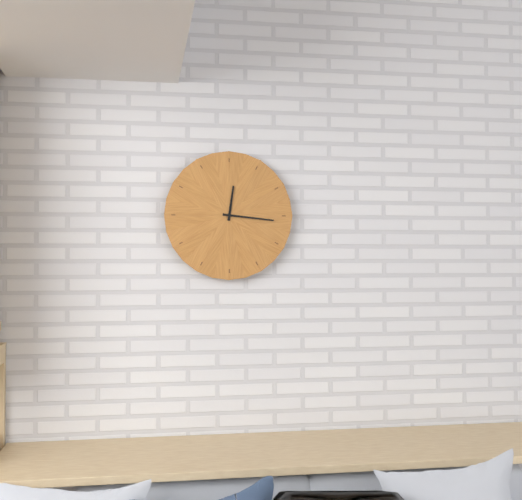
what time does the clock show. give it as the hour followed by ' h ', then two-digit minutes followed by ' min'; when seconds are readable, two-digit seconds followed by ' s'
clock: 12 h 16 min
